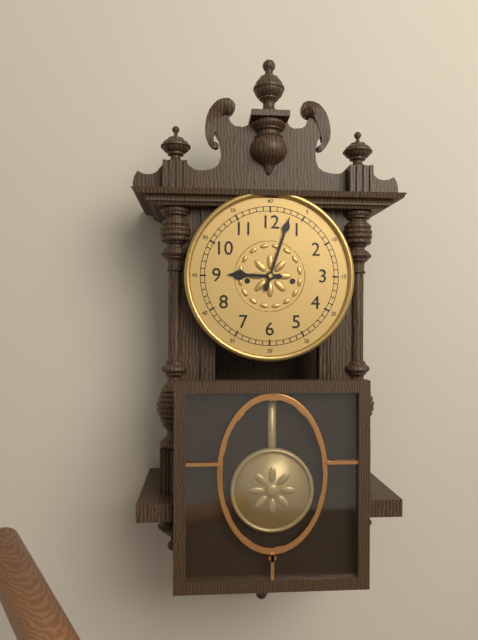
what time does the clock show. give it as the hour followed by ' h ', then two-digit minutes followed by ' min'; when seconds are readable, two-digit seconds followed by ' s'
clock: 9 h 03 min
